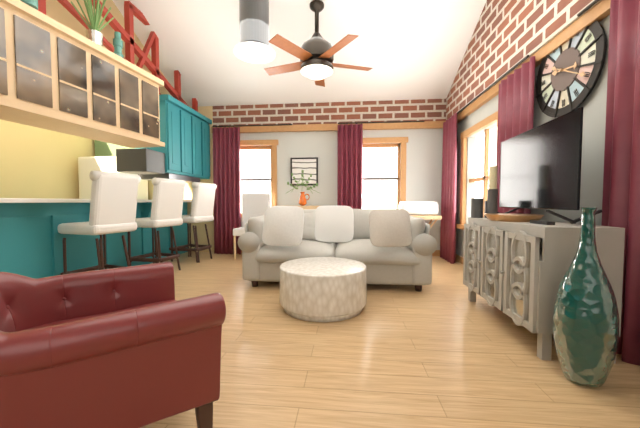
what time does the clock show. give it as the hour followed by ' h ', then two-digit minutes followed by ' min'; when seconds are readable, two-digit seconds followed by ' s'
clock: 3 h 20 min
